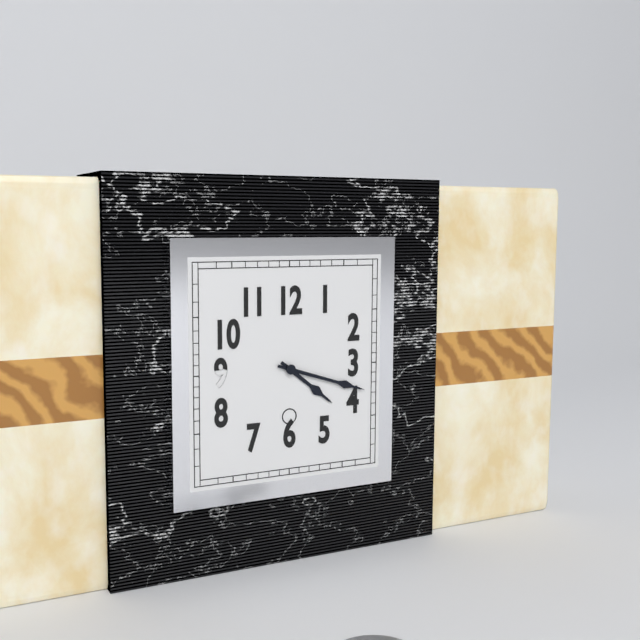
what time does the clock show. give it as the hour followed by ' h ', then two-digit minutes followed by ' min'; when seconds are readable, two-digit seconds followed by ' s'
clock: 4 h 18 min
